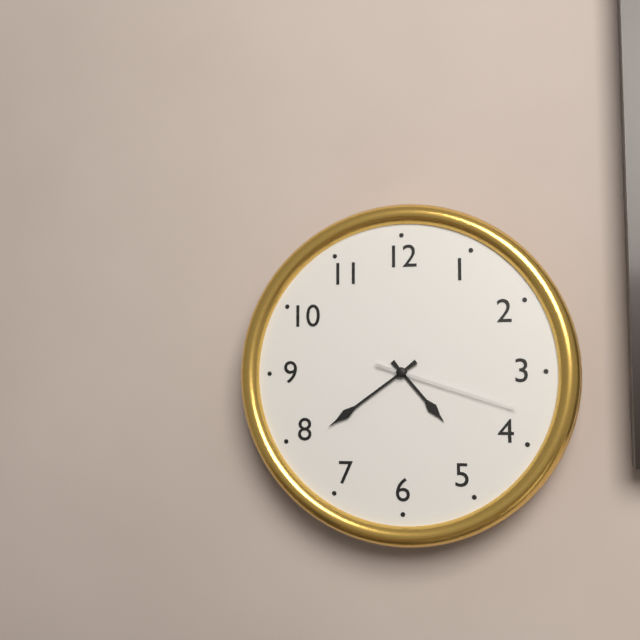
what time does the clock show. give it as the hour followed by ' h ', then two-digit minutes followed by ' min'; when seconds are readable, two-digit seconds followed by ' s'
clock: 4 h 39 min 18 s
